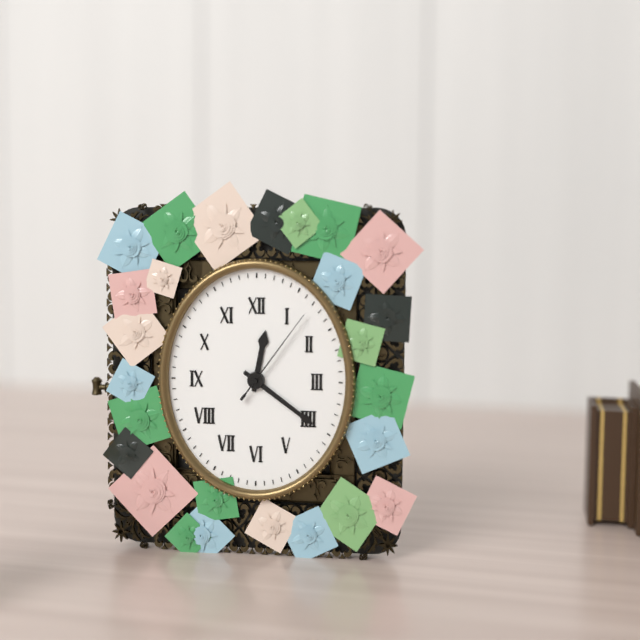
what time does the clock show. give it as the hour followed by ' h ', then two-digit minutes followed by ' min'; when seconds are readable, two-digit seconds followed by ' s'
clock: 12 h 21 min 06 s
